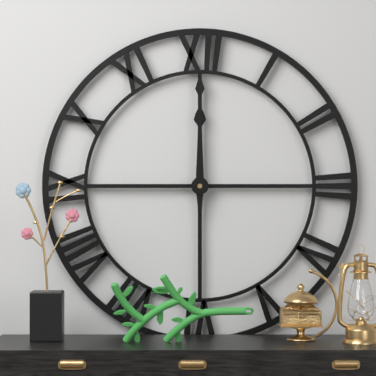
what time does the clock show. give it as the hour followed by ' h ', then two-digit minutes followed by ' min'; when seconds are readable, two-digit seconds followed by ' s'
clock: 12 h 00 min
